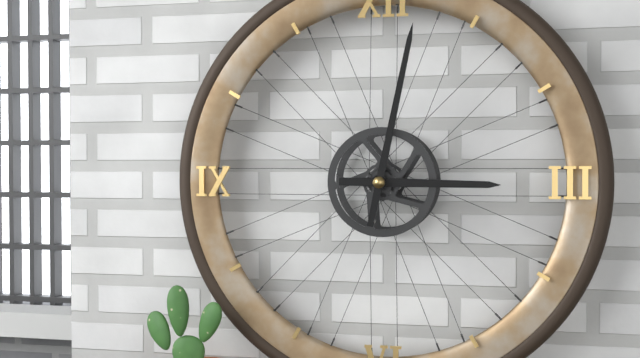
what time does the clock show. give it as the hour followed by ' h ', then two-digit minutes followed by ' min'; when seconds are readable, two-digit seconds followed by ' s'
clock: 3 h 02 min
